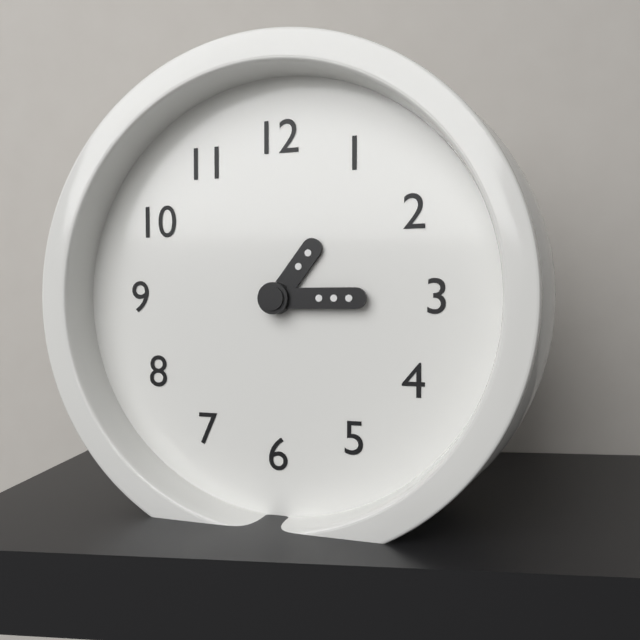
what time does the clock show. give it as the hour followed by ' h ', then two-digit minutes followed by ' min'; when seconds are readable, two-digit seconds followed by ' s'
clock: 1 h 15 min
